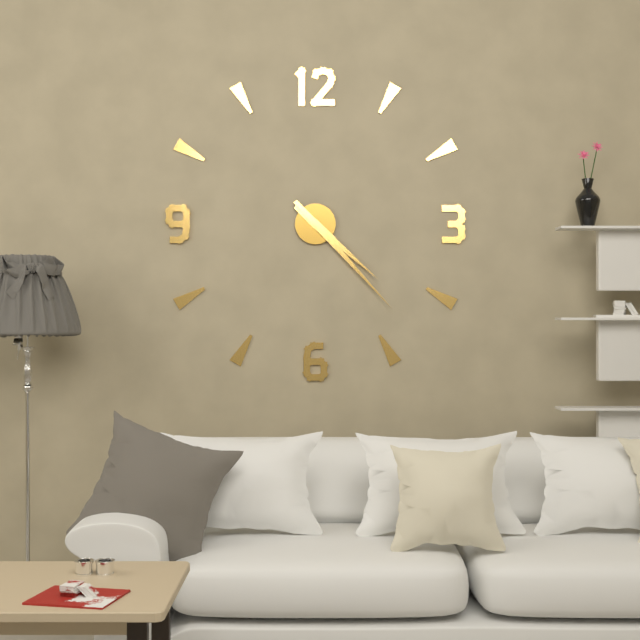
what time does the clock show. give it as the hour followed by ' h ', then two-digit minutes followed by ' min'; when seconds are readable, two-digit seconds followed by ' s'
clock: 4 h 23 min
